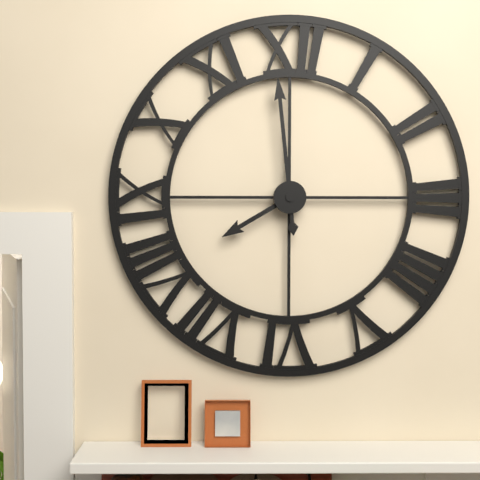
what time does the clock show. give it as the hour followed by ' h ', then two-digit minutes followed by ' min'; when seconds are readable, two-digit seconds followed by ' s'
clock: 7 h 59 min
